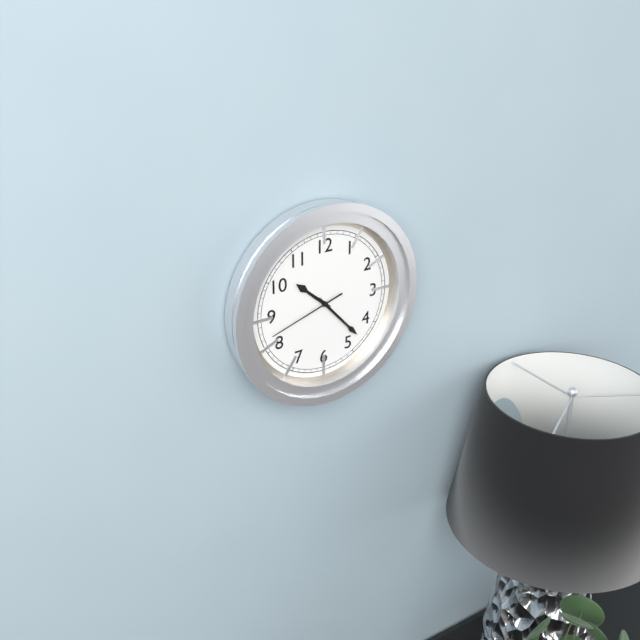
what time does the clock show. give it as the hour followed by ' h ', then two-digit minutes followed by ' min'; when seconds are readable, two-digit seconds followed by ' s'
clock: 10 h 23 min 42 s
